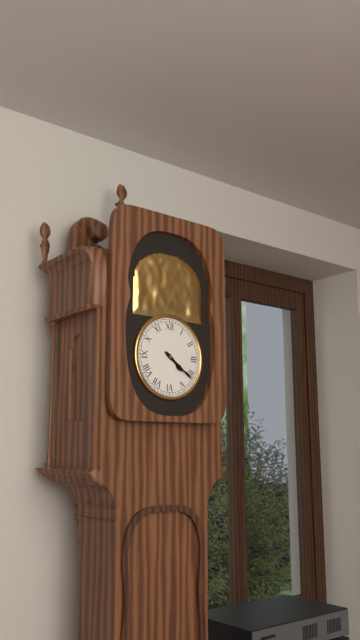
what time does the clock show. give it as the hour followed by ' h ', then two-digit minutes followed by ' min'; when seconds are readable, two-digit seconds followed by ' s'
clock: 4 h 21 min
